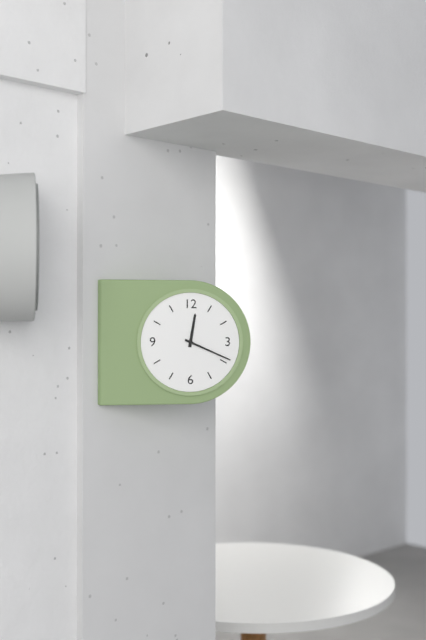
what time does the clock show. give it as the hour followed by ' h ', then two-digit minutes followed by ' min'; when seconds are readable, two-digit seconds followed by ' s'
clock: 12 h 19 min
